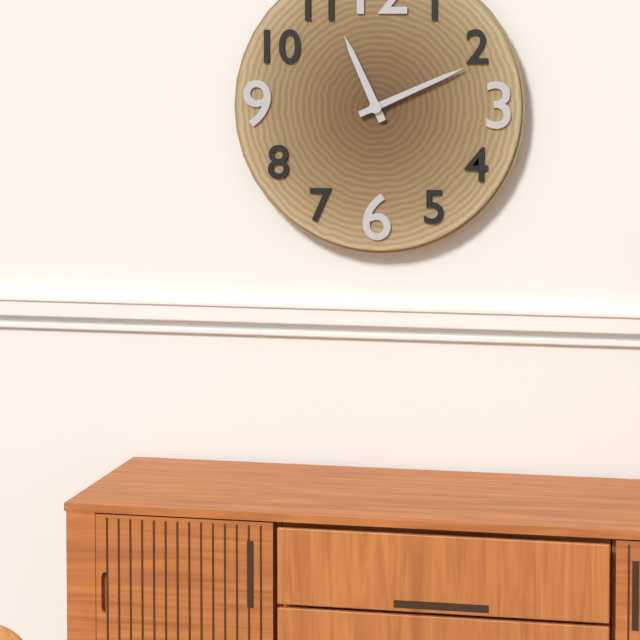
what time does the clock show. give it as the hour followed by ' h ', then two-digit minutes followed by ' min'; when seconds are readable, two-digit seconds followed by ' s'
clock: 11 h 11 min
